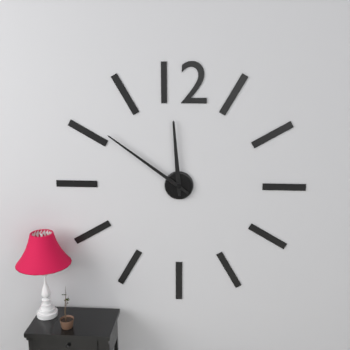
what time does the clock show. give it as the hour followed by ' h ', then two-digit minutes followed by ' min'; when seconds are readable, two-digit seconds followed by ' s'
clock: 11 h 51 min
